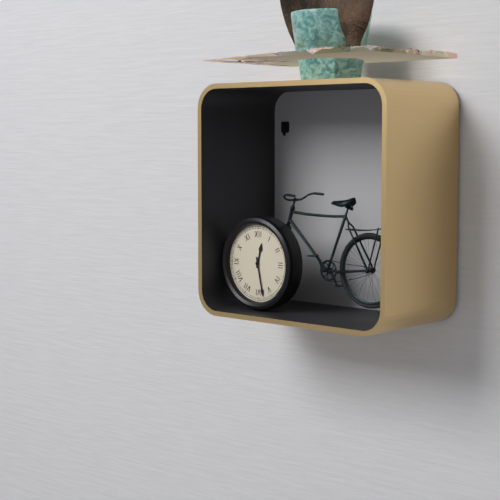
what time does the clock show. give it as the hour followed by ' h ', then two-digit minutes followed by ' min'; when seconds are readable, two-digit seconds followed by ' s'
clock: 12 h 28 min
